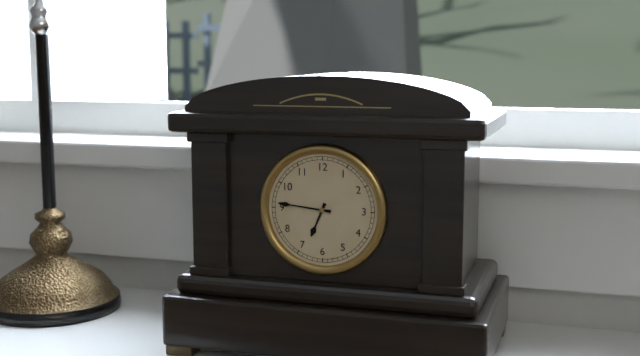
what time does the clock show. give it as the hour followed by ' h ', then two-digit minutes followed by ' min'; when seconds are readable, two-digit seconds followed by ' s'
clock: 6 h 46 min
